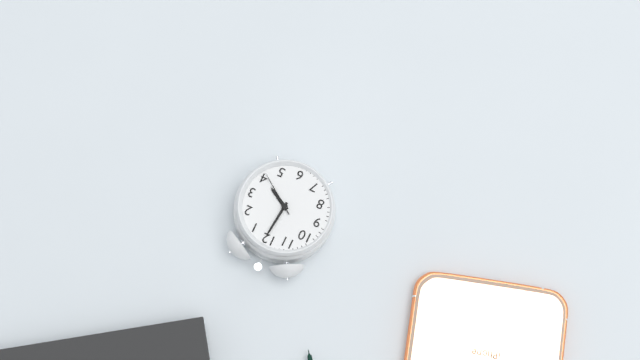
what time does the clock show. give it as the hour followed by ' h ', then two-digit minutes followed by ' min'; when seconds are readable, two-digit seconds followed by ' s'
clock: 4 h 01 min
